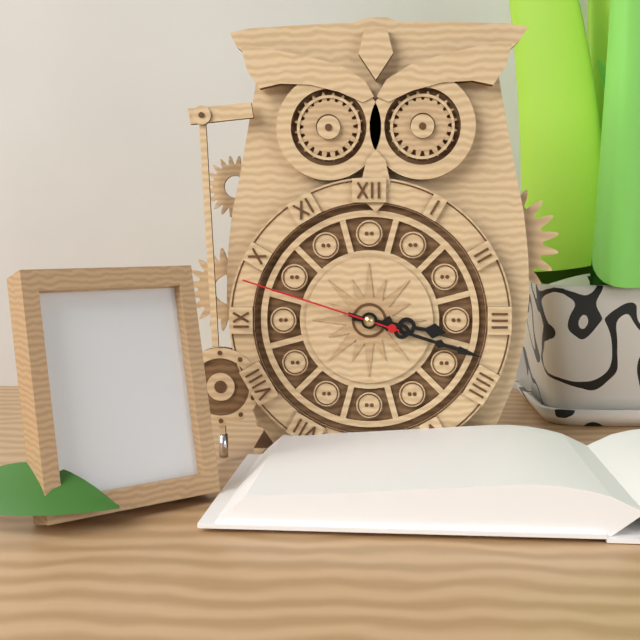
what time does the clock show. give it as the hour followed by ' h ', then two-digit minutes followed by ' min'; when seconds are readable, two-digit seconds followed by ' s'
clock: 3 h 18 min 48 s
